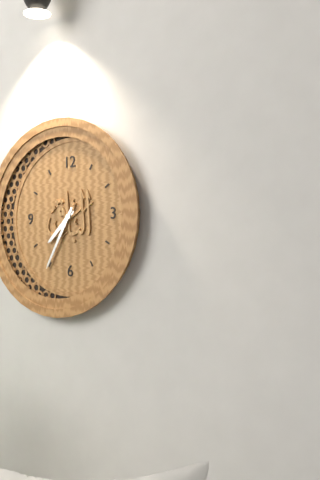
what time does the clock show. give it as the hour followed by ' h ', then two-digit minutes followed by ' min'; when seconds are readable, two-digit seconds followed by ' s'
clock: 7 h 35 min
